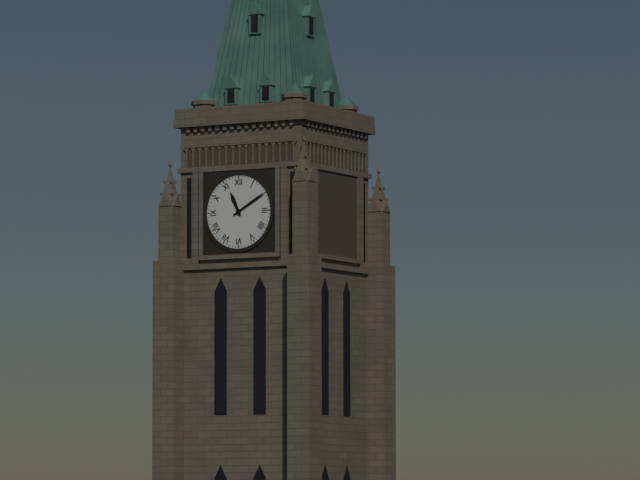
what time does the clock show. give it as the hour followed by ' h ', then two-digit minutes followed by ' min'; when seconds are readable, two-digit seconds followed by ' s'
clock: 11 h 10 min
